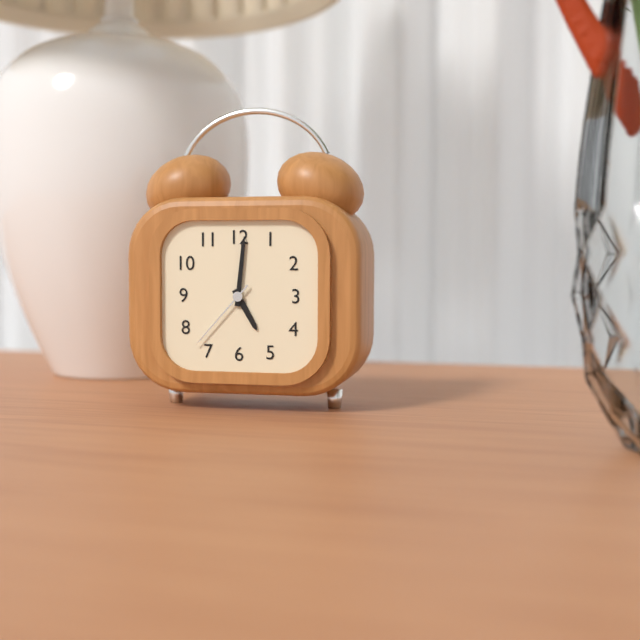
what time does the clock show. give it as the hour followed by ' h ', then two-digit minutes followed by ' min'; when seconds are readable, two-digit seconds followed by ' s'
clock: 5 h 01 min 37 s
